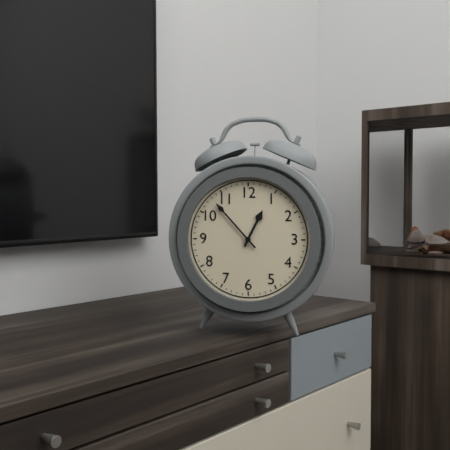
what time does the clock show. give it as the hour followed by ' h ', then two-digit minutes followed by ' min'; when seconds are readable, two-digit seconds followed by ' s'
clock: 12 h 53 min
